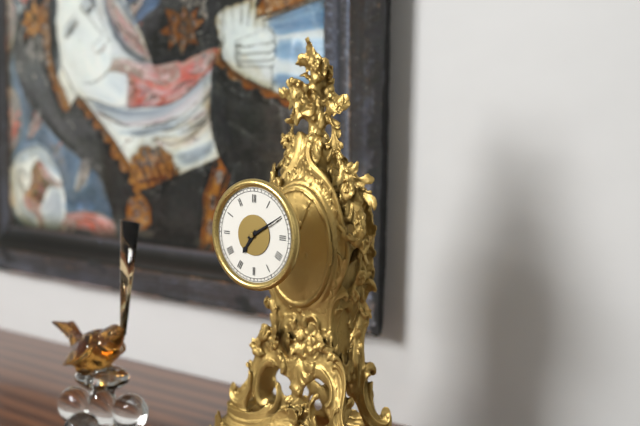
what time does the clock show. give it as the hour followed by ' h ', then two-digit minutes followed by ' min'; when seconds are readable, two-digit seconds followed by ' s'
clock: 7 h 10 min
